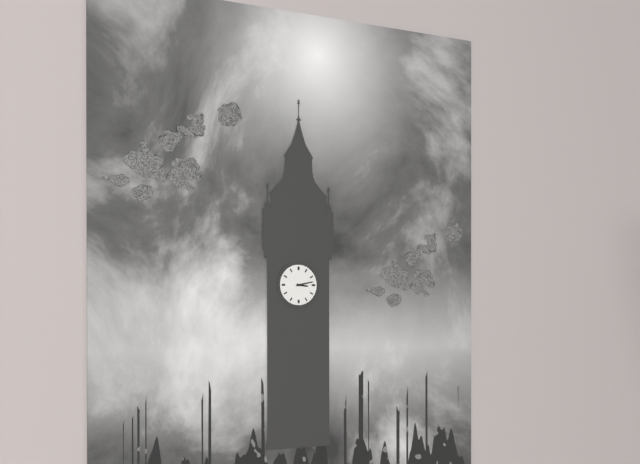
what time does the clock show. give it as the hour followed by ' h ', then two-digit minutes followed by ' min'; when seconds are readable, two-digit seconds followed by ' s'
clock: 3 h 13 min
